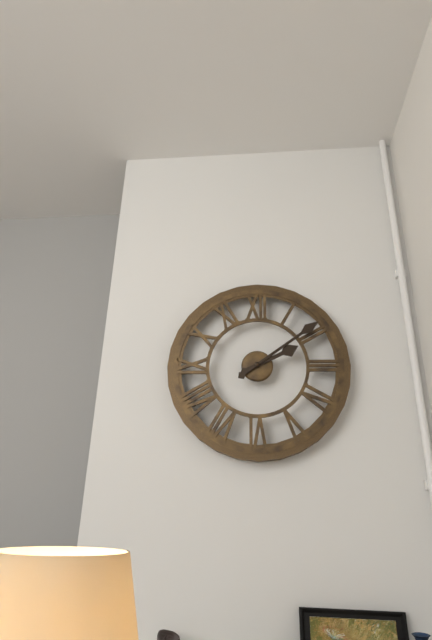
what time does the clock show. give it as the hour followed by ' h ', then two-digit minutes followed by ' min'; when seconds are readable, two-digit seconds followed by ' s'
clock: 2 h 09 min
